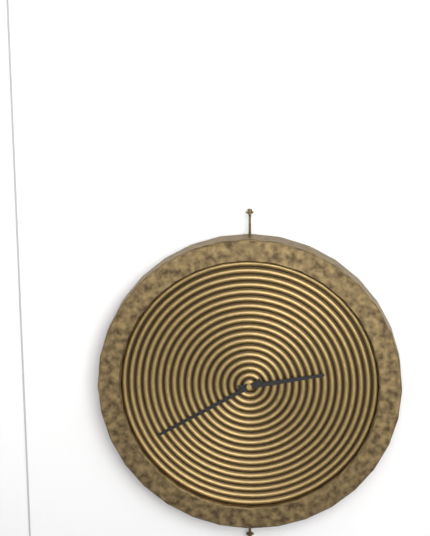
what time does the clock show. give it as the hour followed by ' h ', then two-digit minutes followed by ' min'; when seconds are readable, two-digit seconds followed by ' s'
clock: 2 h 40 min
